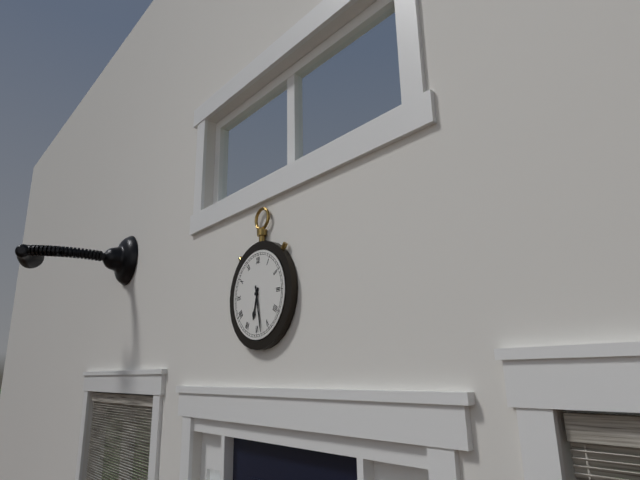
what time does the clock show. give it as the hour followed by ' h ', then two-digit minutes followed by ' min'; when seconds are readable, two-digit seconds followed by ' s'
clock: 6 h 28 min
